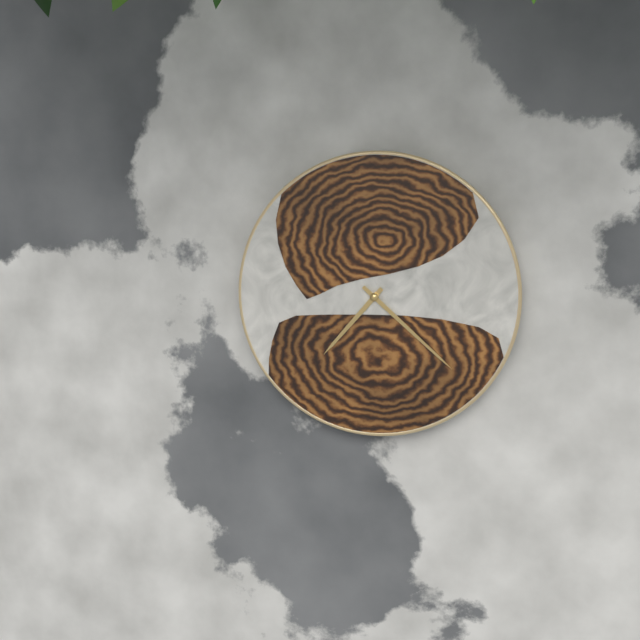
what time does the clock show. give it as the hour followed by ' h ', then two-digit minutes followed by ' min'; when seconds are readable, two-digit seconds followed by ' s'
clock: 7 h 22 min
